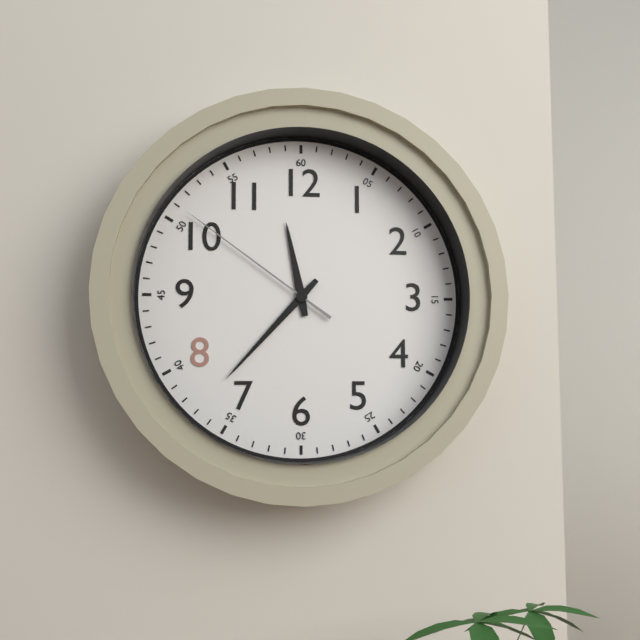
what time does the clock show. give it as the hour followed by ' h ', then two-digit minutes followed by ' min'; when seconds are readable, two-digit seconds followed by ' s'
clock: 11 h 37 min 51 s
